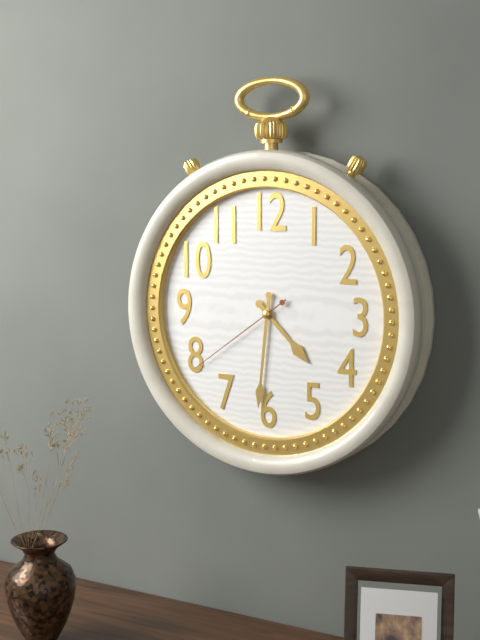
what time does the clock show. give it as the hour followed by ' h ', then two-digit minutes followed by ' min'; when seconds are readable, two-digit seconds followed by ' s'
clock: 4 h 31 min 39 s
